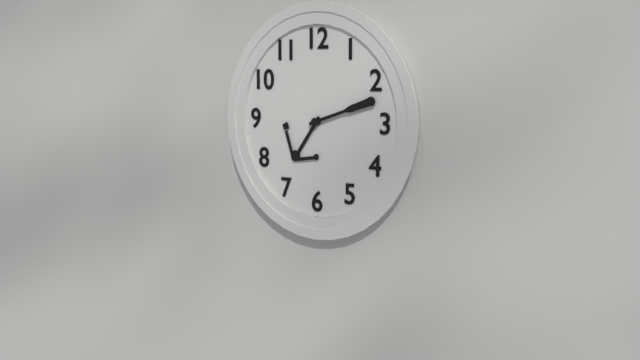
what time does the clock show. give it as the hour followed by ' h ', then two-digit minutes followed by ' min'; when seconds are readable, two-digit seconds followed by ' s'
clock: 7 h 12 min
